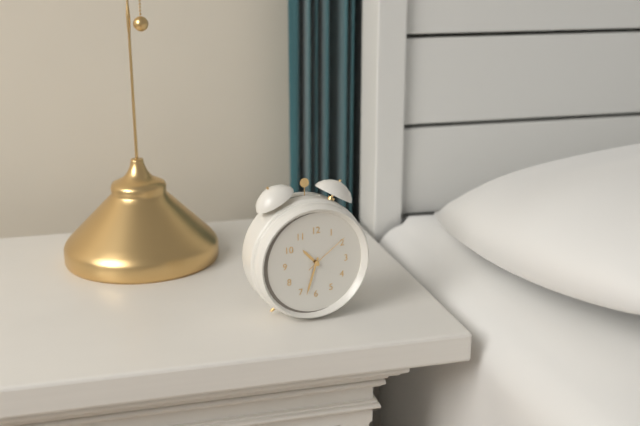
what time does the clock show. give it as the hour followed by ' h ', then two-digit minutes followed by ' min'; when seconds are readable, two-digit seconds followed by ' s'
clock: 10 h 33 min
